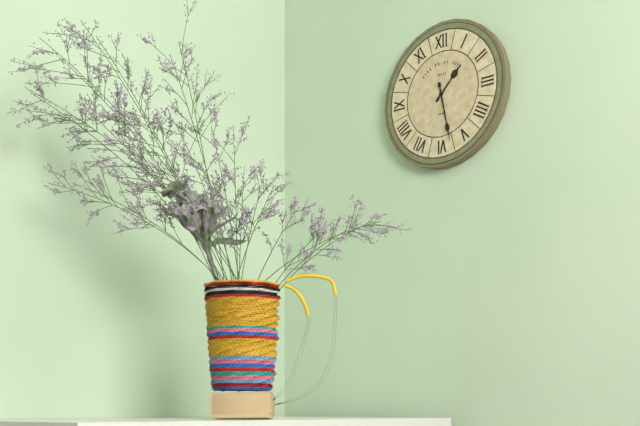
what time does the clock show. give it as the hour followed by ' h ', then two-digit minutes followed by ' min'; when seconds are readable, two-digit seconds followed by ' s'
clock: 1 h 28 min
